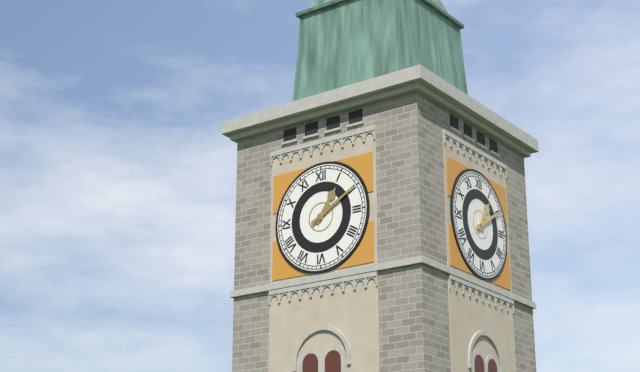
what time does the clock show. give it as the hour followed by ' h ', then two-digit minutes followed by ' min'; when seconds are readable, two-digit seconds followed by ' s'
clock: 1 h 10 min
